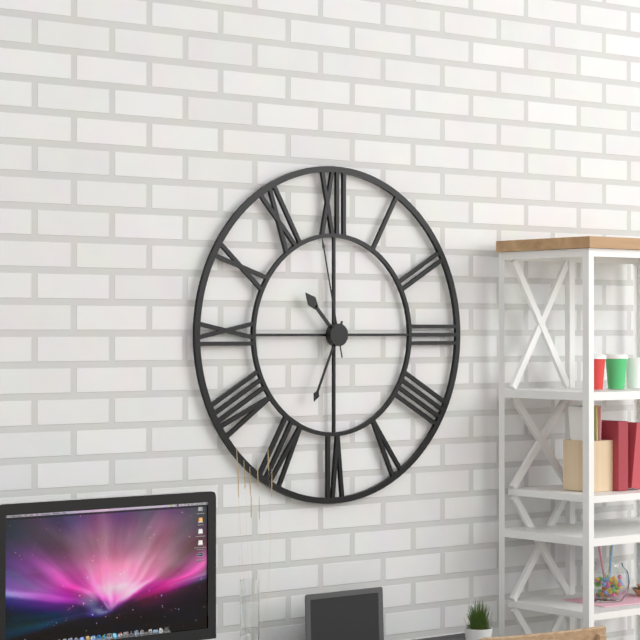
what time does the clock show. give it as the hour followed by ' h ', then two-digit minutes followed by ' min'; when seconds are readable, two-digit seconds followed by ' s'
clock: 10 h 34 min 58 s
